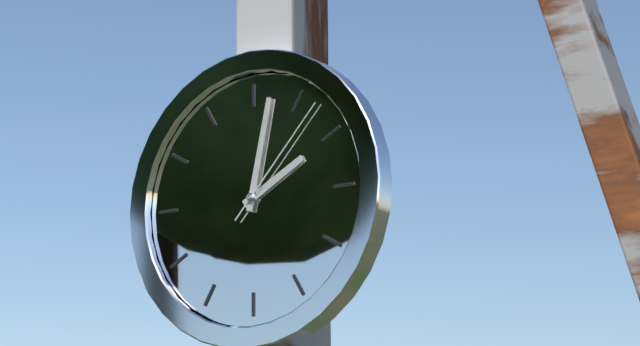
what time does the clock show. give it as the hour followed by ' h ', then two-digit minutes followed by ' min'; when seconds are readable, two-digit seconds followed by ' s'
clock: 2 h 02 min 07 s
